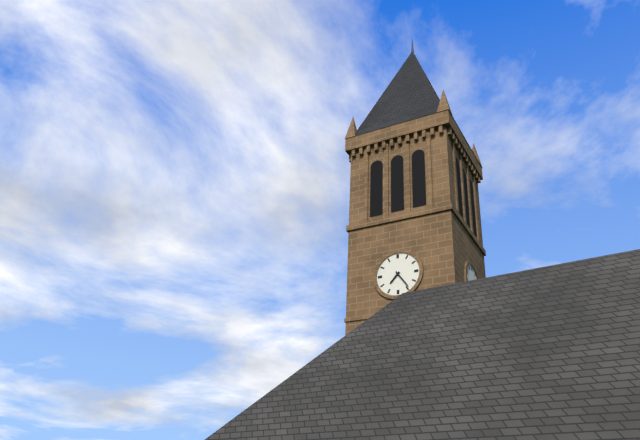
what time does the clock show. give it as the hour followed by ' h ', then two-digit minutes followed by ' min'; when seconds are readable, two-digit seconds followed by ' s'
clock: 7 h 24 min
